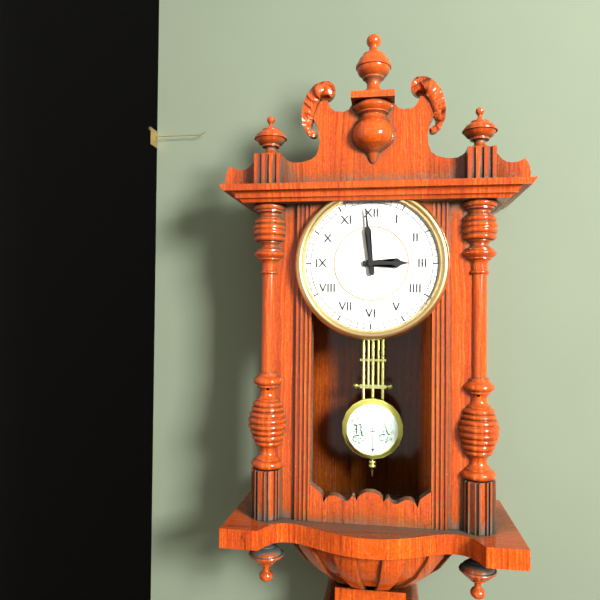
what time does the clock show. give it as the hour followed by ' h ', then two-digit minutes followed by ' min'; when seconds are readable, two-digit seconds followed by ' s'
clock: 2 h 59 min
